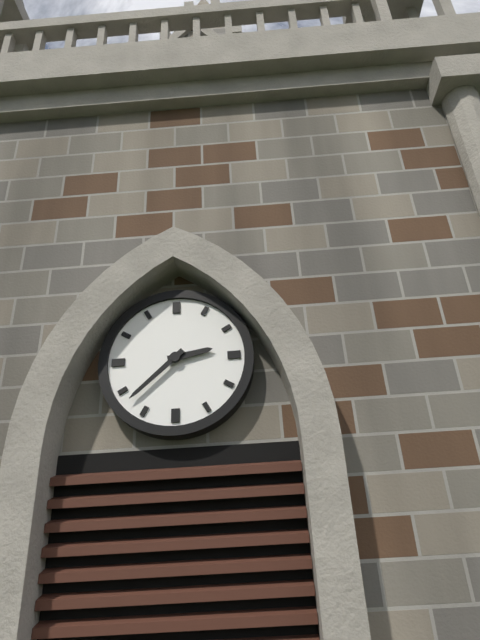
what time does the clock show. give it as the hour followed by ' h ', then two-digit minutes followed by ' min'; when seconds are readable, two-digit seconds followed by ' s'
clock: 2 h 38 min
